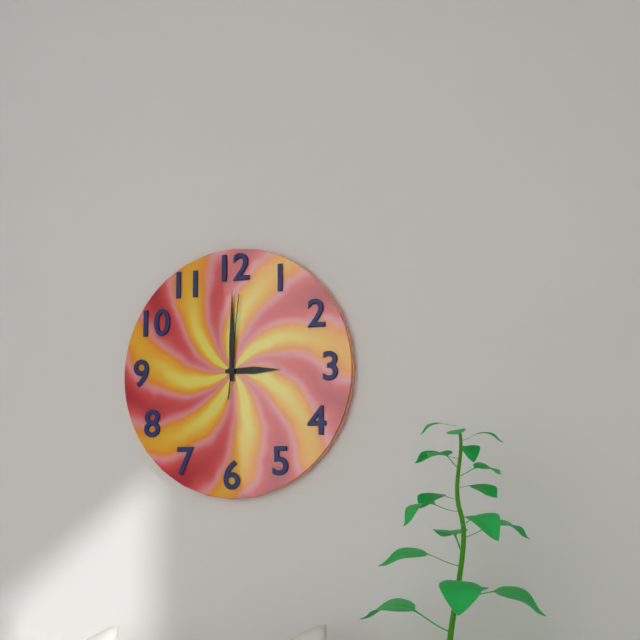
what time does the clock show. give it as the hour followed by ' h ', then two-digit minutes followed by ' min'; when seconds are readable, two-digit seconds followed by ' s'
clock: 3 h 00 min 01 s
